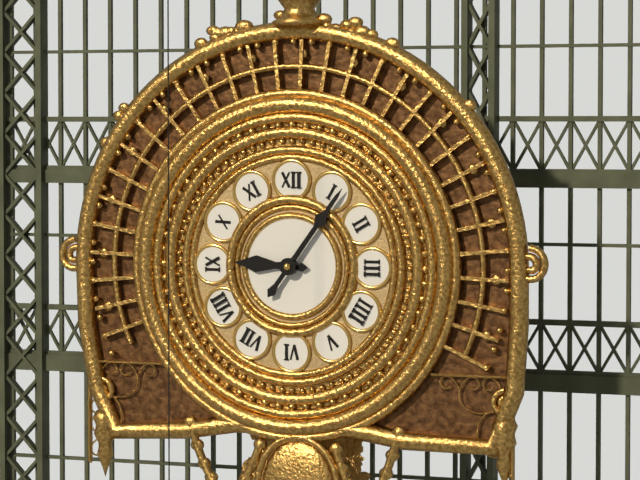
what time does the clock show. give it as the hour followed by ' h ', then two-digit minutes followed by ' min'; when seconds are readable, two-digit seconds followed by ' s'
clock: 9 h 06 min
